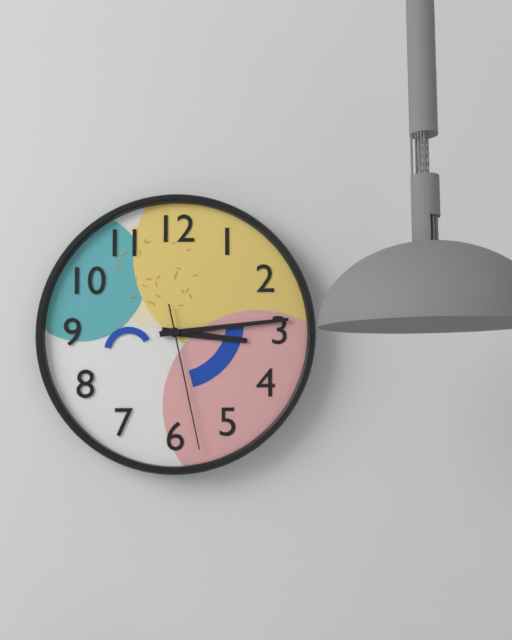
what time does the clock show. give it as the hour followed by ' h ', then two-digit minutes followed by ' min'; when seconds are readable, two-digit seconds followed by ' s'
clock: 3 h 14 min 28 s
